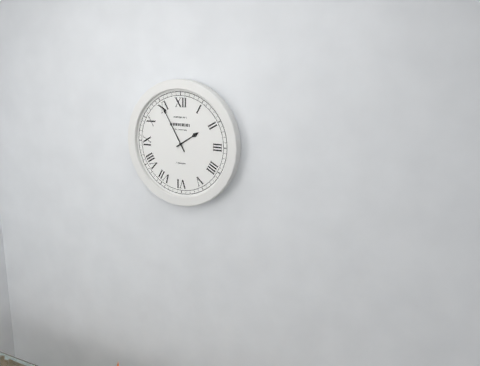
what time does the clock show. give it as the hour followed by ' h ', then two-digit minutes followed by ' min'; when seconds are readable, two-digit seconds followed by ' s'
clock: 1 h 55 min
